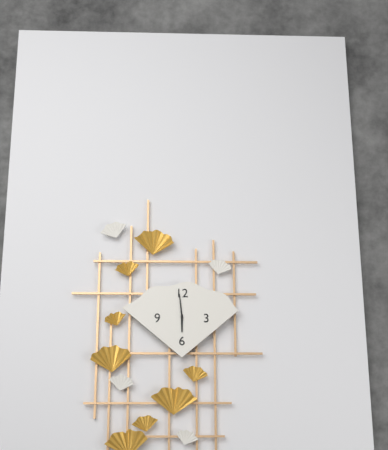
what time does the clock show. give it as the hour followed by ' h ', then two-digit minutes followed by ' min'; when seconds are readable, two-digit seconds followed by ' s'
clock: 5 h 59 min
